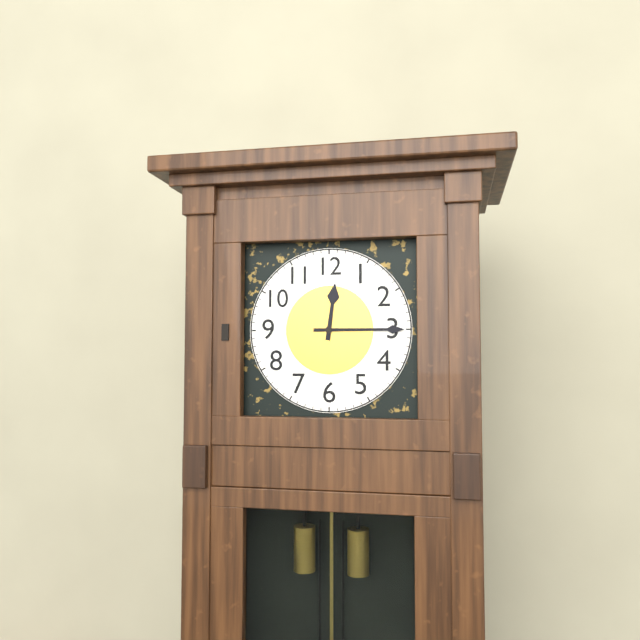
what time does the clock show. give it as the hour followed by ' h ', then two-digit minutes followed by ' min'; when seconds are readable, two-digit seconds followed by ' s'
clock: 12 h 15 min
